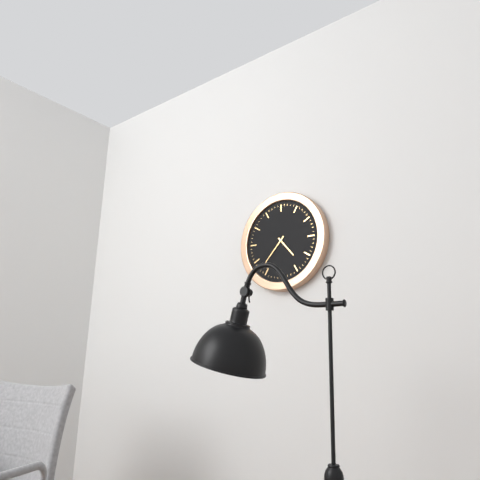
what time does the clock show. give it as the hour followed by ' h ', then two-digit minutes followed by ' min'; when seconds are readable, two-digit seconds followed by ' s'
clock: 4 h 37 min
